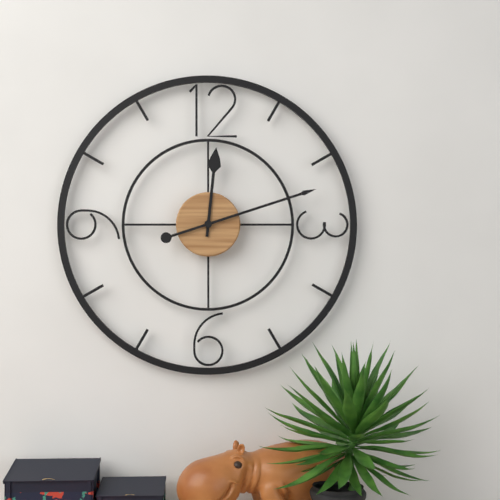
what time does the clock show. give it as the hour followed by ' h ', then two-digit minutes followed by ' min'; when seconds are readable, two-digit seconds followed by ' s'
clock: 12 h 12 min
